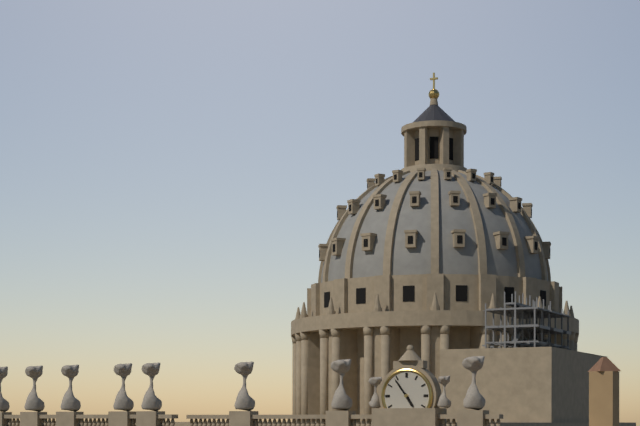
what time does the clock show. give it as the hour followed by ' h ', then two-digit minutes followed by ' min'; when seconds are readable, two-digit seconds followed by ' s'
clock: 4 h 54 min
